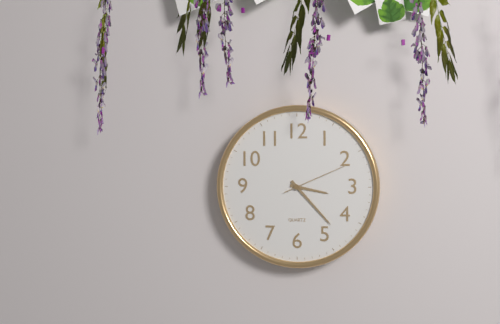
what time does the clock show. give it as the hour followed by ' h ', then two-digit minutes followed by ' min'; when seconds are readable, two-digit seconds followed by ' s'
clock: 3 h 23 min 11 s
